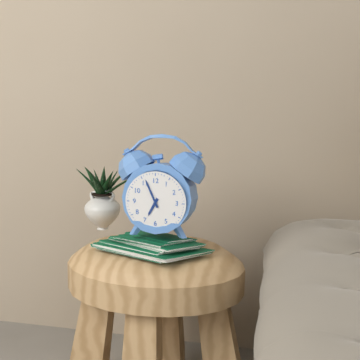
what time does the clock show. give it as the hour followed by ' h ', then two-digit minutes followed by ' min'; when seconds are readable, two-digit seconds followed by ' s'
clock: 6 h 56 min
